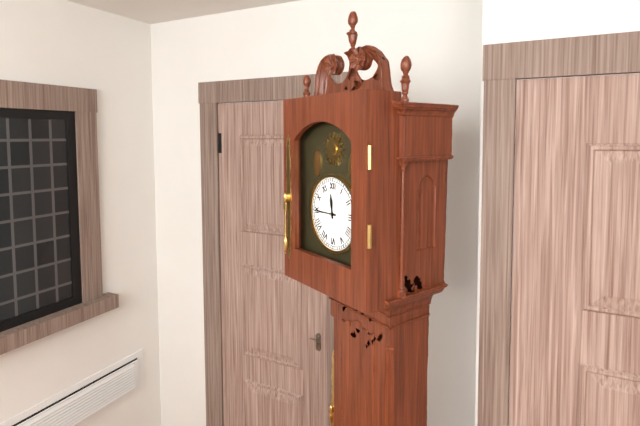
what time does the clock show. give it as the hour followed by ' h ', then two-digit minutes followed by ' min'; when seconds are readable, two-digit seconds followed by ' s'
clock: 11 h 45 min
